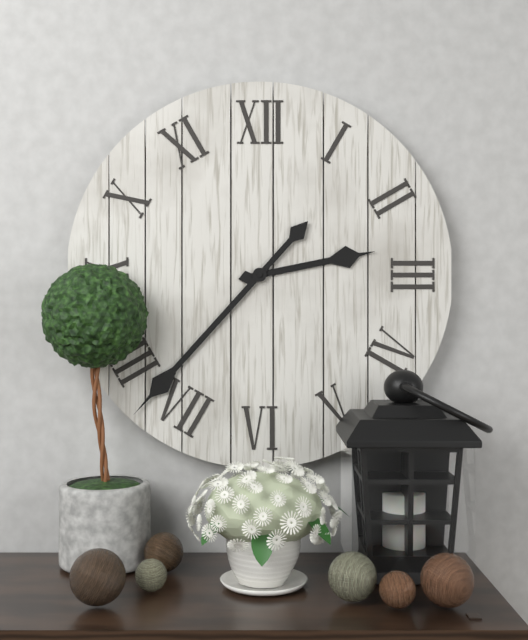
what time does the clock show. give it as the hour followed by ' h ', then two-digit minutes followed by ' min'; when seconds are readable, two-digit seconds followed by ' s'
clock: 2 h 37 min
